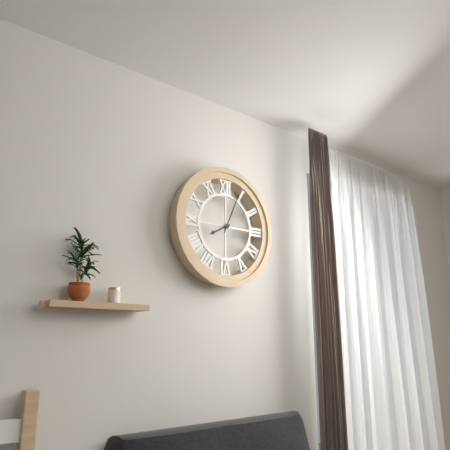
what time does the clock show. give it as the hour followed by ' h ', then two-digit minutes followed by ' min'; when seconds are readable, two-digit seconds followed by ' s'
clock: 8 h 04 min
